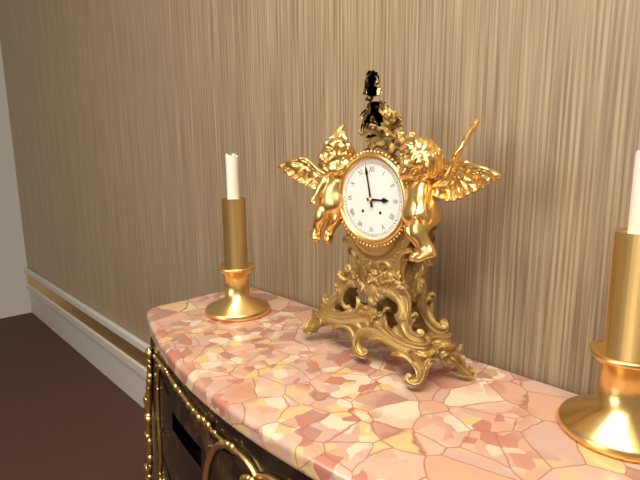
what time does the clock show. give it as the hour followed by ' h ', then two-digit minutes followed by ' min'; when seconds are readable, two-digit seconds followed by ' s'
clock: 2 h 58 min
